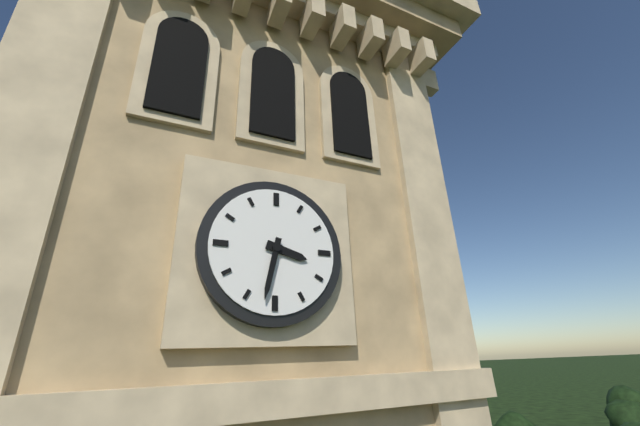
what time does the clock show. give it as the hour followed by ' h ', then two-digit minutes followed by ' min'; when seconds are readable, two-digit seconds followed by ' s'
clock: 3 h 32 min
